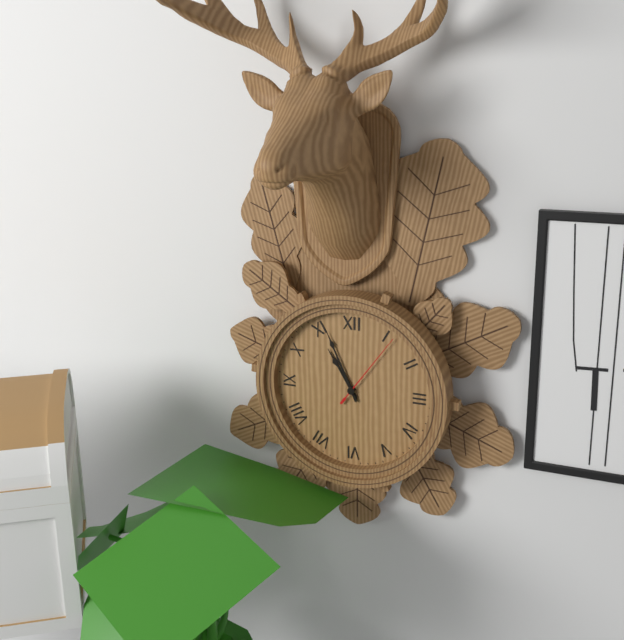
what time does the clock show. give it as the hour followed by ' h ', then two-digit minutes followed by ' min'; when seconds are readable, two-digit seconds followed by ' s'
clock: 10 h 56 min 06 s
